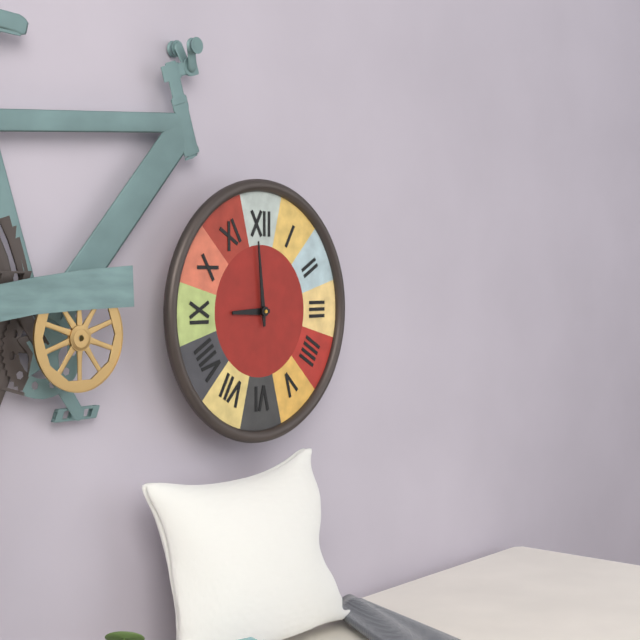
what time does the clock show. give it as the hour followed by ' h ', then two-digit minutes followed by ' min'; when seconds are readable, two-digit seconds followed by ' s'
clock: 8 h 59 min
